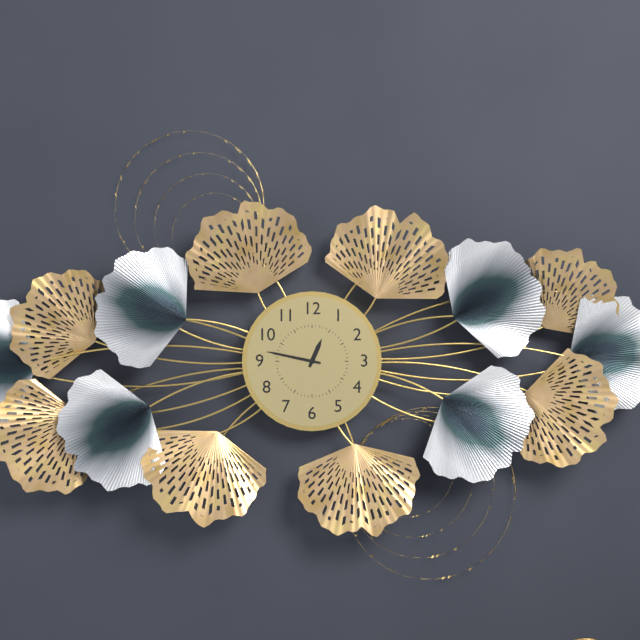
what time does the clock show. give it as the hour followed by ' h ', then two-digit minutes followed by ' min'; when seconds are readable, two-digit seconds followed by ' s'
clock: 12 h 47 min
